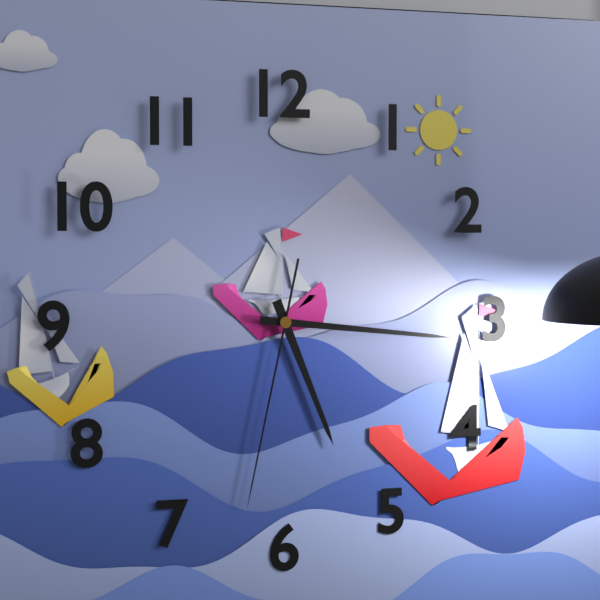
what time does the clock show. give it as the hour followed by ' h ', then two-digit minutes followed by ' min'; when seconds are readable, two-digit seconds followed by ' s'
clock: 5 h 16 min 32 s
